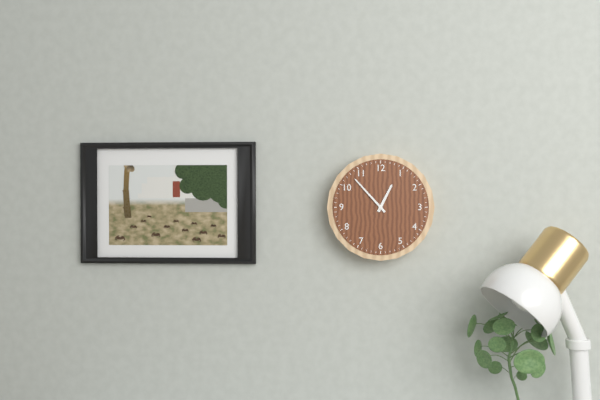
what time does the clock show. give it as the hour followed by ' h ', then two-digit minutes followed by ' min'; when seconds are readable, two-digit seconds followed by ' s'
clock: 12 h 53 min
